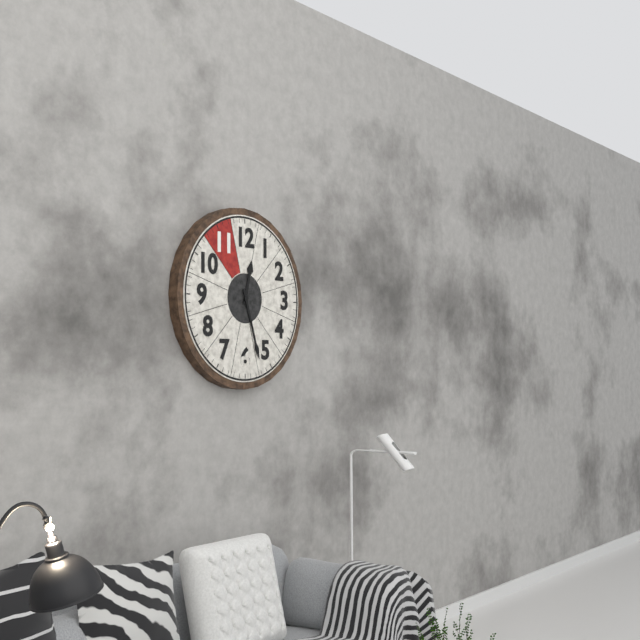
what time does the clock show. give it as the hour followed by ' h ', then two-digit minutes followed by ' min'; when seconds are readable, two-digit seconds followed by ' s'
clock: 12 h 27 min
